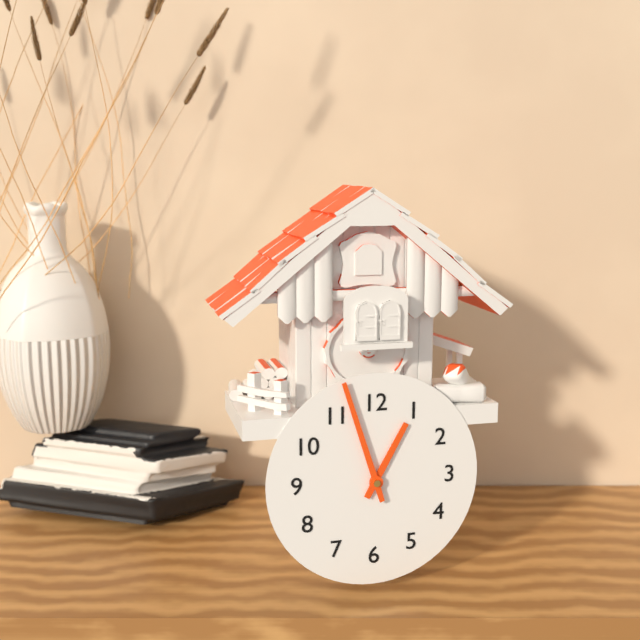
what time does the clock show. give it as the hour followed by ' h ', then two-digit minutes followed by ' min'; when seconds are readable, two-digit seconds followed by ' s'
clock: 12 h 57 min
